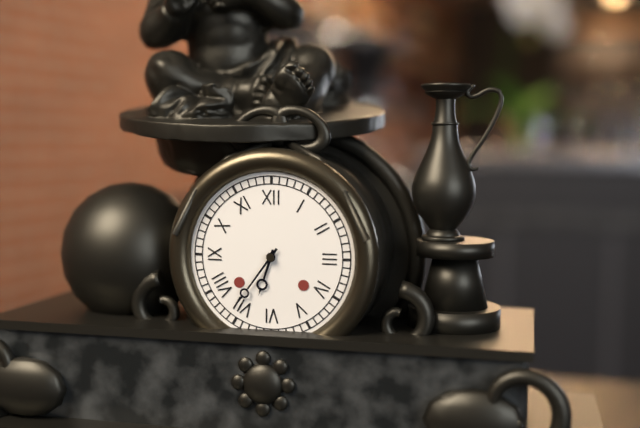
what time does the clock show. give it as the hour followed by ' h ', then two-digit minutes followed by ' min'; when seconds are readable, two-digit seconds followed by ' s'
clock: 6 h 36 min
